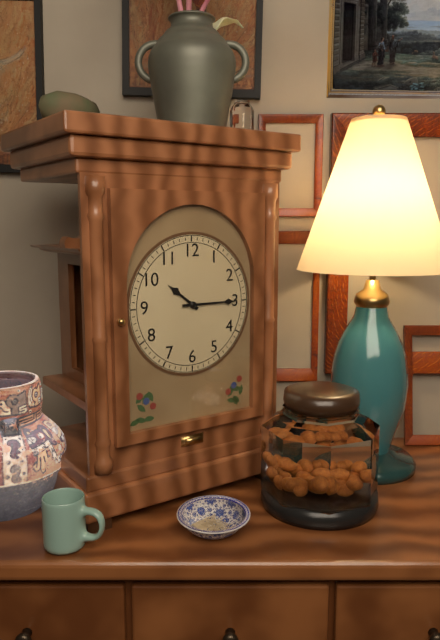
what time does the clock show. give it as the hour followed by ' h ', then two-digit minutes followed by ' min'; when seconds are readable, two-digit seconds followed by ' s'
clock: 10 h 15 min
